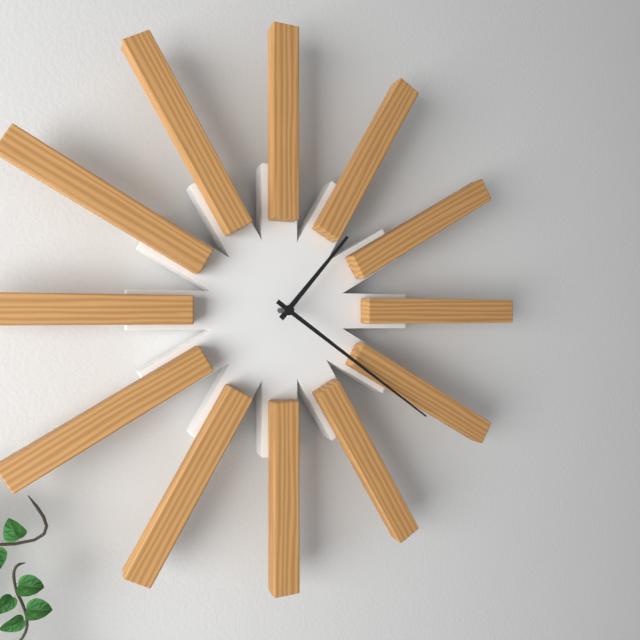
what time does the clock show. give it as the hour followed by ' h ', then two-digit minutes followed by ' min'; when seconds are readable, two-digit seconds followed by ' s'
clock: 1 h 21 min
